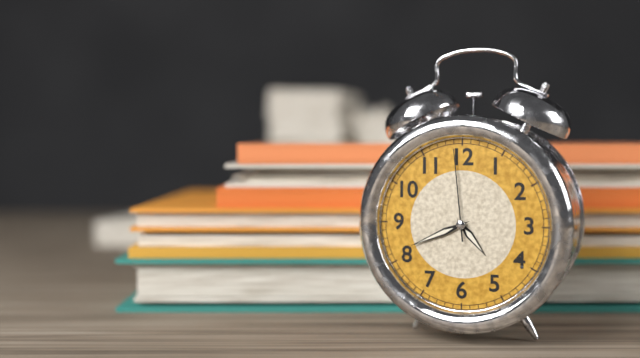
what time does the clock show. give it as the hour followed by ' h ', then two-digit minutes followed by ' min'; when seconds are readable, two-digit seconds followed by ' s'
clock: 4 h 41 min 59 s
